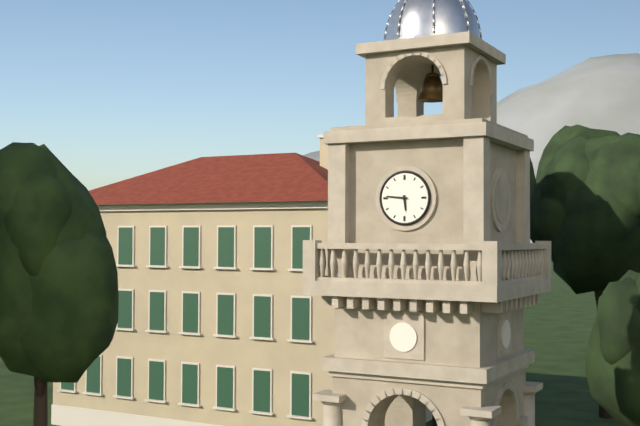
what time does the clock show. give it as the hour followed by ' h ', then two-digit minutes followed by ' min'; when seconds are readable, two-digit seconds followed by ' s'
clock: 5 h 46 min
